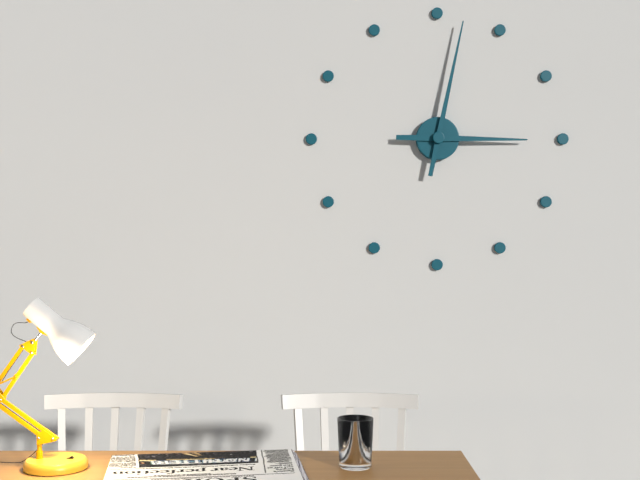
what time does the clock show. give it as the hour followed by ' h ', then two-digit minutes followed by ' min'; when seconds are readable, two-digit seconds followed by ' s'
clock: 3 h 02 min
